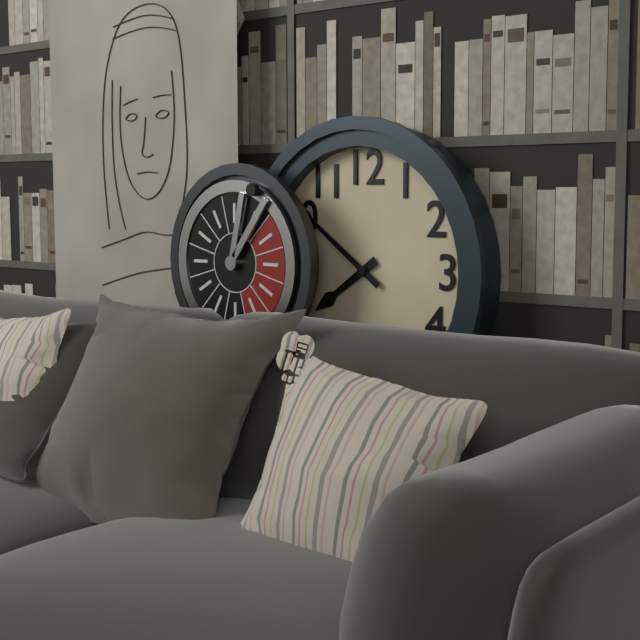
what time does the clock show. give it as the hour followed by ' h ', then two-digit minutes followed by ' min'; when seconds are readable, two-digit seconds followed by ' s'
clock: 7 h 51 min
